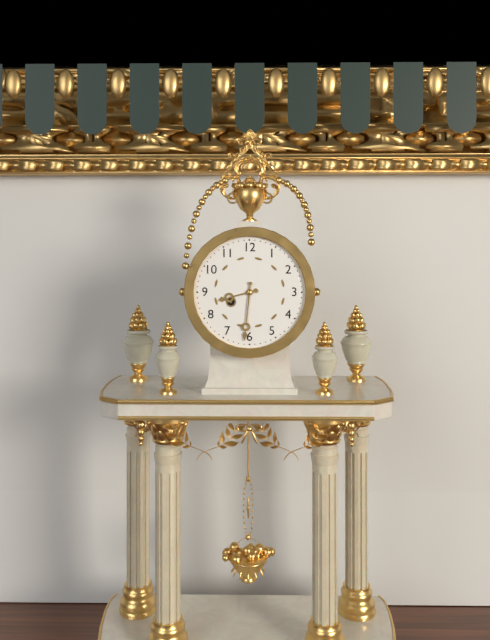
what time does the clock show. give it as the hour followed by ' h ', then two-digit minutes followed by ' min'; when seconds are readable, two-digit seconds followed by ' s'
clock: 8 h 31 min
